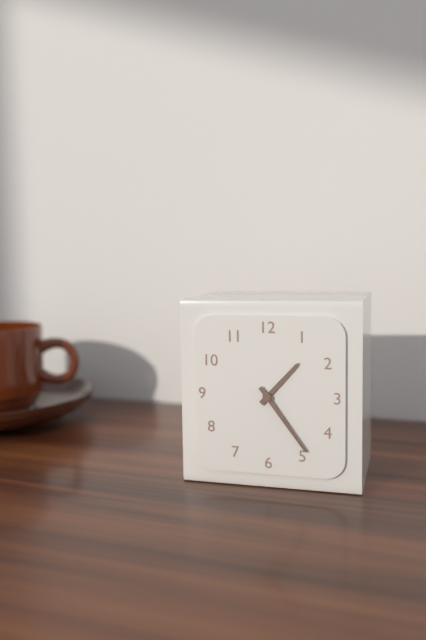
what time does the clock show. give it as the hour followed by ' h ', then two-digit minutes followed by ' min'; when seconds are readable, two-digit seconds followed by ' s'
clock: 1 h 24 min
